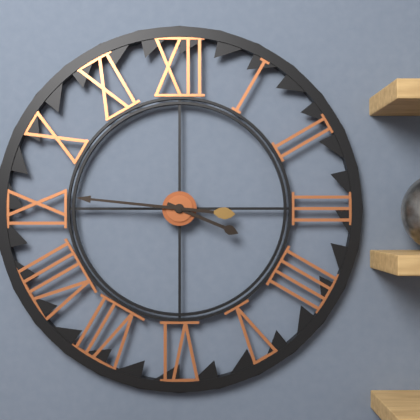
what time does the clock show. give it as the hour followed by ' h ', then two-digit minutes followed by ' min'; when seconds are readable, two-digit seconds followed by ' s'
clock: 3 h 46 min
